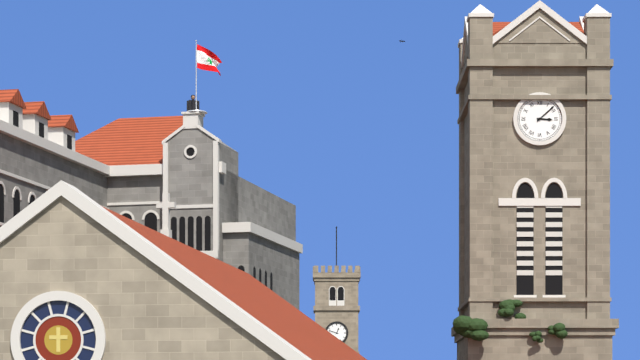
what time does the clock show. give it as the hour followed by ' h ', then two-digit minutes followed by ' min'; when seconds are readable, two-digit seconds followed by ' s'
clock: 3 h 08 min
